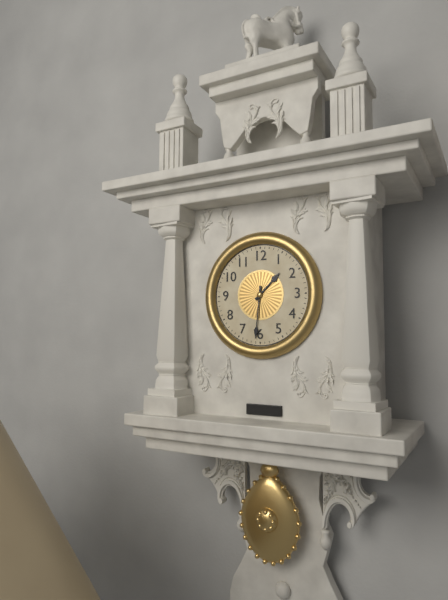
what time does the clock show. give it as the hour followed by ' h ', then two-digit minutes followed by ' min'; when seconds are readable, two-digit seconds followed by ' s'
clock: 1 h 31 min
